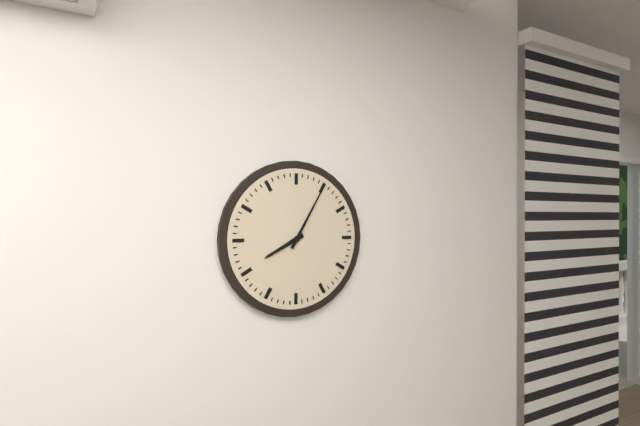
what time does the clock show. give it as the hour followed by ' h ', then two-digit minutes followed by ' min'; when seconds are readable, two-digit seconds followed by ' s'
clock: 8 h 05 min
